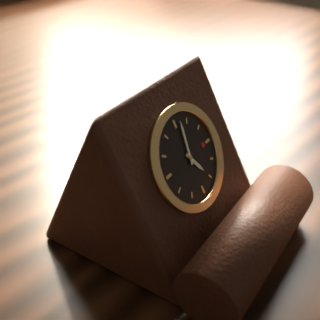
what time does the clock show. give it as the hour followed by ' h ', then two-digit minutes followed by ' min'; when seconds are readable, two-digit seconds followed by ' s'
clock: 5 h 02 min
